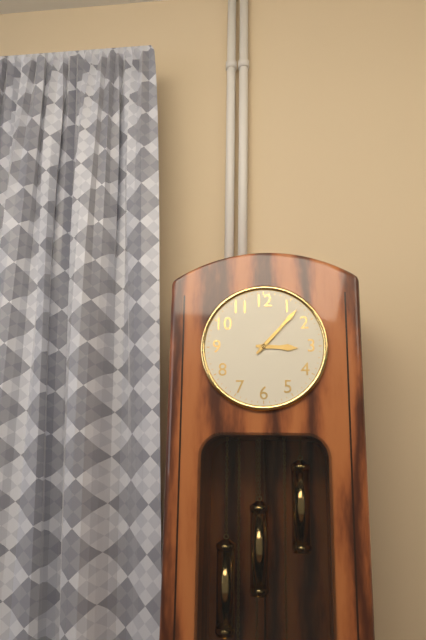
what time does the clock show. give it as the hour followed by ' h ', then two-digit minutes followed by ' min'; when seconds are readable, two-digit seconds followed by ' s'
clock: 3 h 07 min
